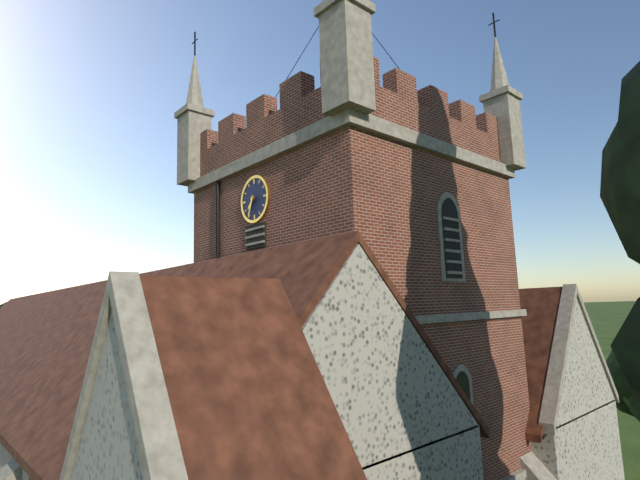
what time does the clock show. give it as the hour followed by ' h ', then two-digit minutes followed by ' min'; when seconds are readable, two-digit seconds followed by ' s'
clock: 7 h 34 min
